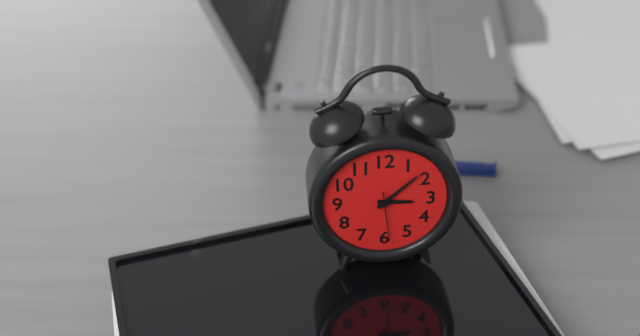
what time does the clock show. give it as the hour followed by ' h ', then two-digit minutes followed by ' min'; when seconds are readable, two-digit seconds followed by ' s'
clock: 3 h 08 min 29 s
